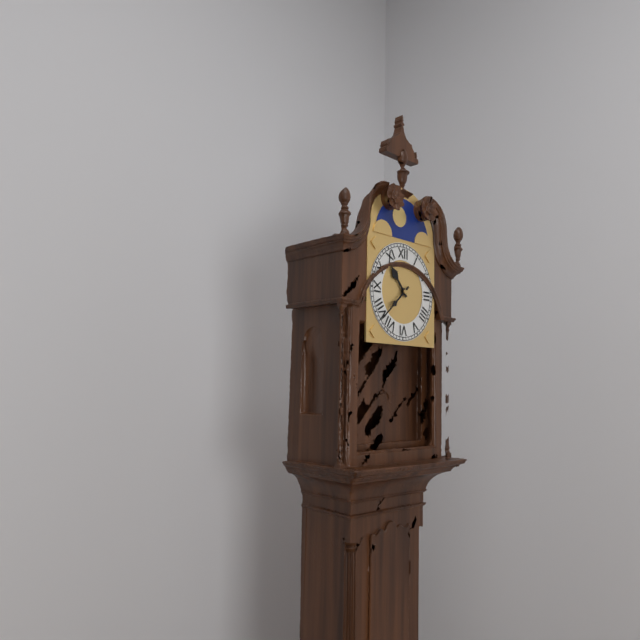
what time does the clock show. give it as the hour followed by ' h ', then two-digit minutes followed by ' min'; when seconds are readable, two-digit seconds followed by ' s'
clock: 10 h 38 min
